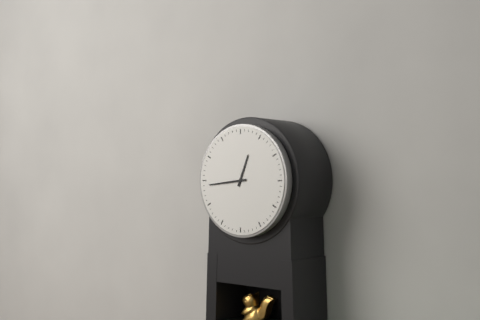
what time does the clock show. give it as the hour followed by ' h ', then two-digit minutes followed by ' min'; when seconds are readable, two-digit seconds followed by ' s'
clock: 12 h 44 min
